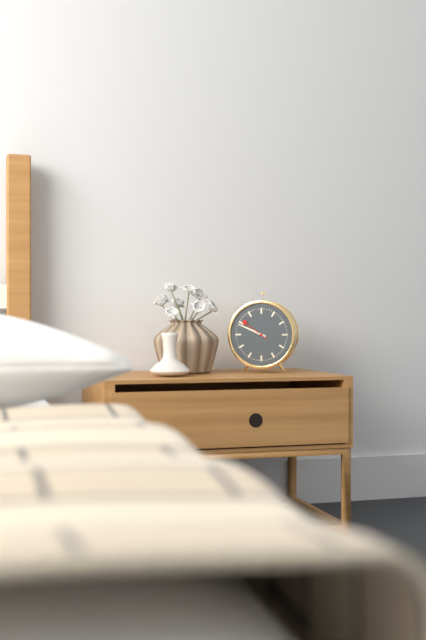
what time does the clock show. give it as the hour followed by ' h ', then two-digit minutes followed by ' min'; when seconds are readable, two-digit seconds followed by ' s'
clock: 9 h 49 min
